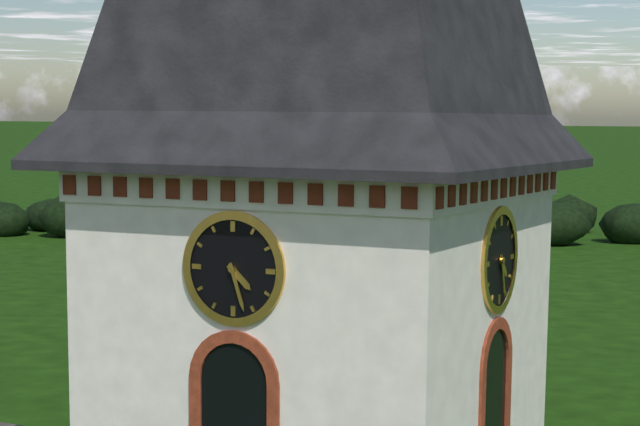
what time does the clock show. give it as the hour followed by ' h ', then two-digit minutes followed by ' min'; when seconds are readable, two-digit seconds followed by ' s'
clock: 4 h 27 min
